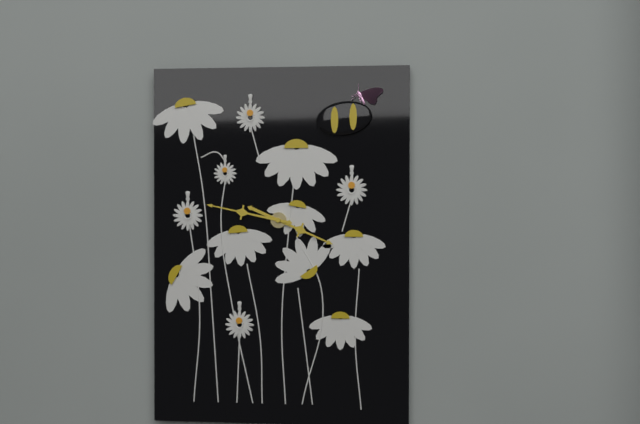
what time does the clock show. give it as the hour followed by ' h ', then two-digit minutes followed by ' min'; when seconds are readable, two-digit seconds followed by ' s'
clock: 3 h 47 min
